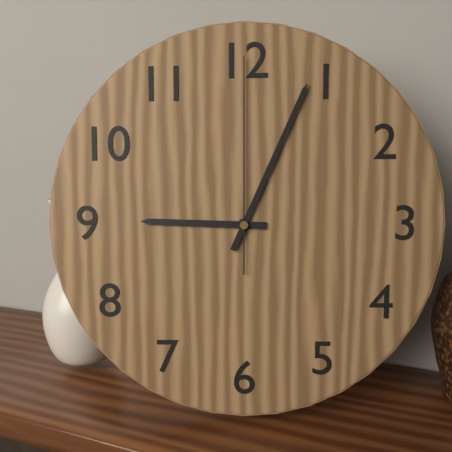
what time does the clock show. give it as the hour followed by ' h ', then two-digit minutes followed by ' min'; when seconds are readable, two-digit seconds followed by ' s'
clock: 9 h 04 min 00 s
